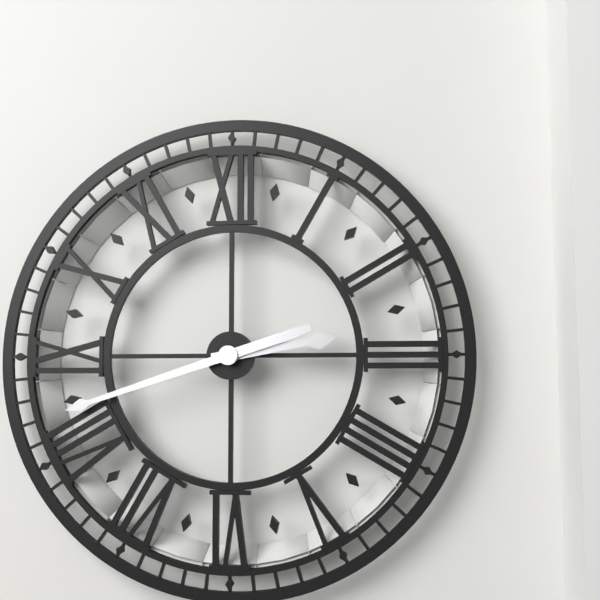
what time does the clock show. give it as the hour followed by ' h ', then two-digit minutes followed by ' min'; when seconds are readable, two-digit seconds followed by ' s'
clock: 2 h 42 min
